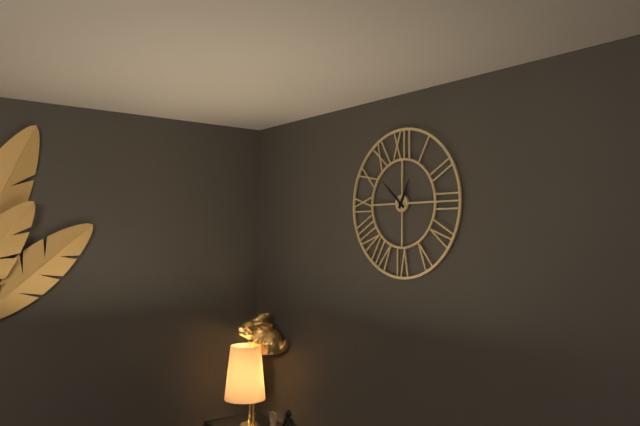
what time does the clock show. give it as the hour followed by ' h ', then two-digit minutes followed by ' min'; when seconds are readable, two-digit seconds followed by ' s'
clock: 12 h 52 min
